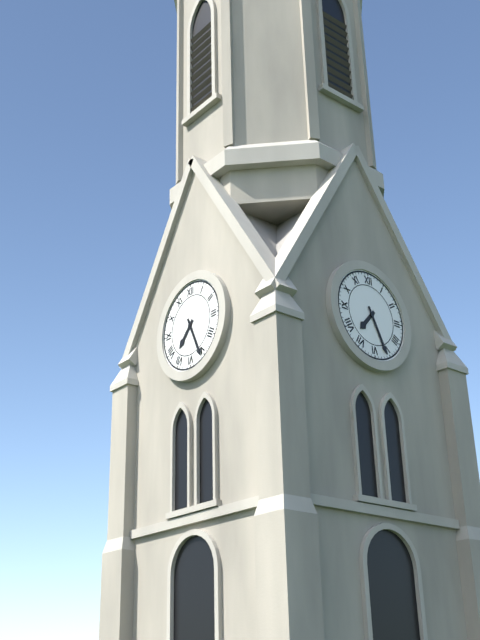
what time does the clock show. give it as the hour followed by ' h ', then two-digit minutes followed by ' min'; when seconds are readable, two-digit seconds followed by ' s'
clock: 7 h 26 min
